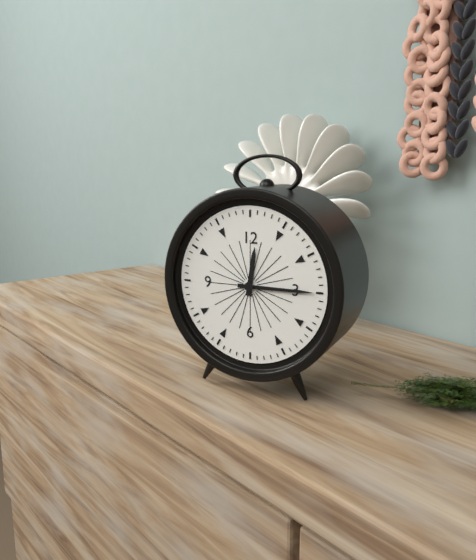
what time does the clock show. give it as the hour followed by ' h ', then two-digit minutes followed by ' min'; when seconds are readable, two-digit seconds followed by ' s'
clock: 12 h 15 min
